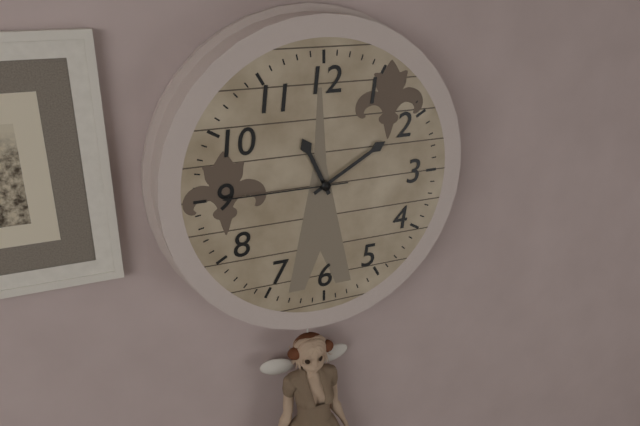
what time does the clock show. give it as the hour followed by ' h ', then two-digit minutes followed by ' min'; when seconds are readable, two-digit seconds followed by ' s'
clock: 11 h 10 min 45 s
